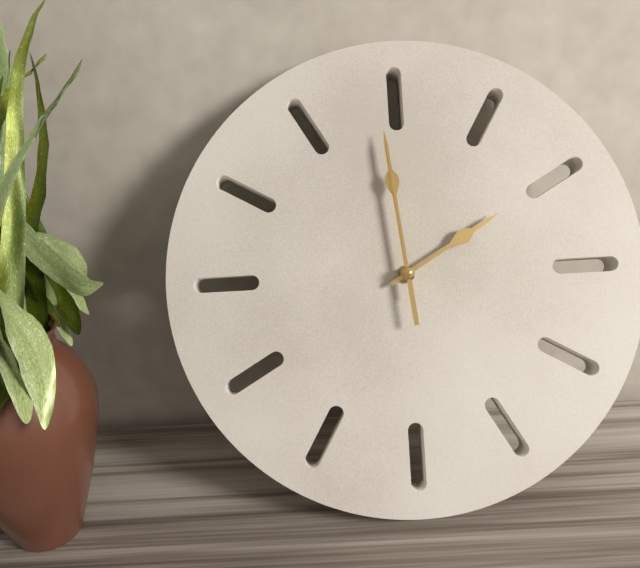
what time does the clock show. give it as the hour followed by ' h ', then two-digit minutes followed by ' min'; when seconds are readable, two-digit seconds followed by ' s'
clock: 1 h 59 min 59 s
